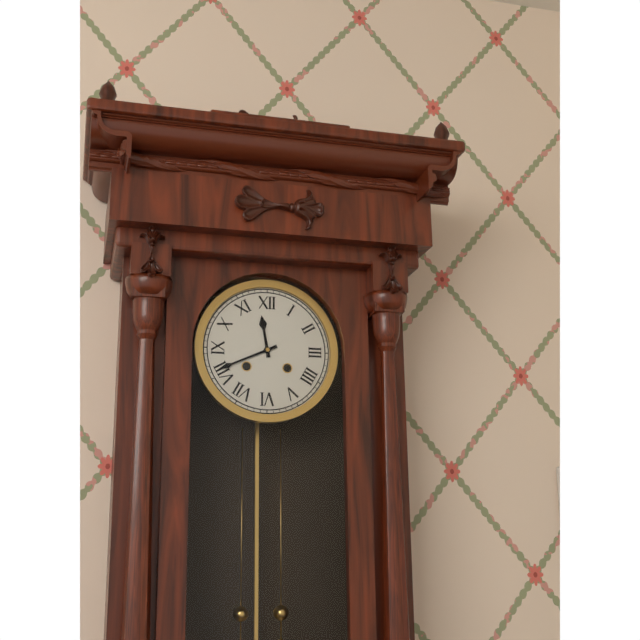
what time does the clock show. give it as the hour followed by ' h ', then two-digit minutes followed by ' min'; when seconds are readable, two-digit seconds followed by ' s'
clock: 11 h 41 min
